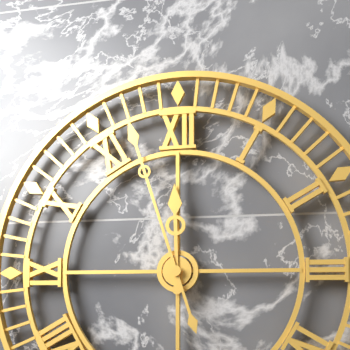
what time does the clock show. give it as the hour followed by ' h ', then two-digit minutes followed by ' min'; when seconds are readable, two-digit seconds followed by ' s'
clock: 11 h 57 min
